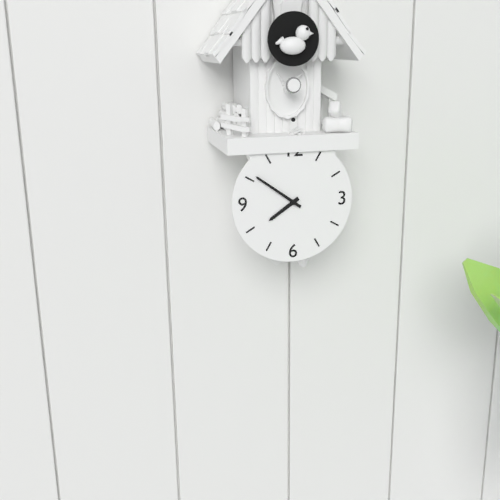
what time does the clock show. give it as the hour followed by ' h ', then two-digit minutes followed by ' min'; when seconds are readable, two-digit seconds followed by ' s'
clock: 7 h 51 min
